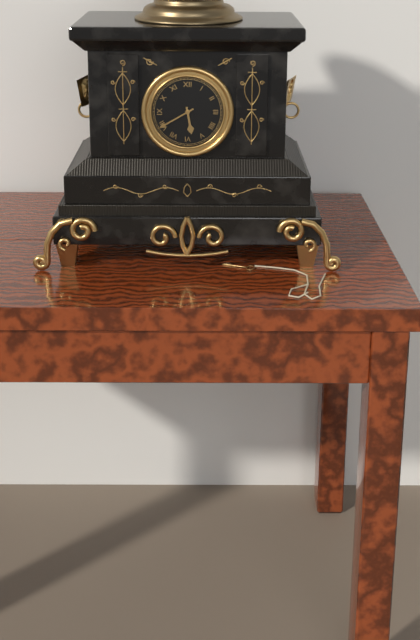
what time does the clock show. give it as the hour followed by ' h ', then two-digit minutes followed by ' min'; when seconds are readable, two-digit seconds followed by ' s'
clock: 5 h 40 min
